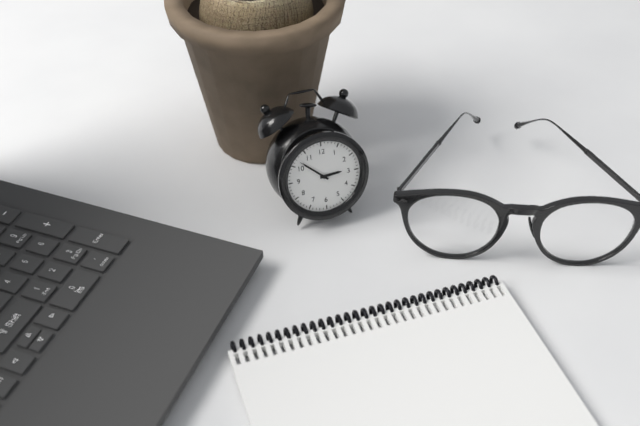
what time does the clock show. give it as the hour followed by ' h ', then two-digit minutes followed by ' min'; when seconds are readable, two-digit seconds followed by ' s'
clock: 2 h 52 min
